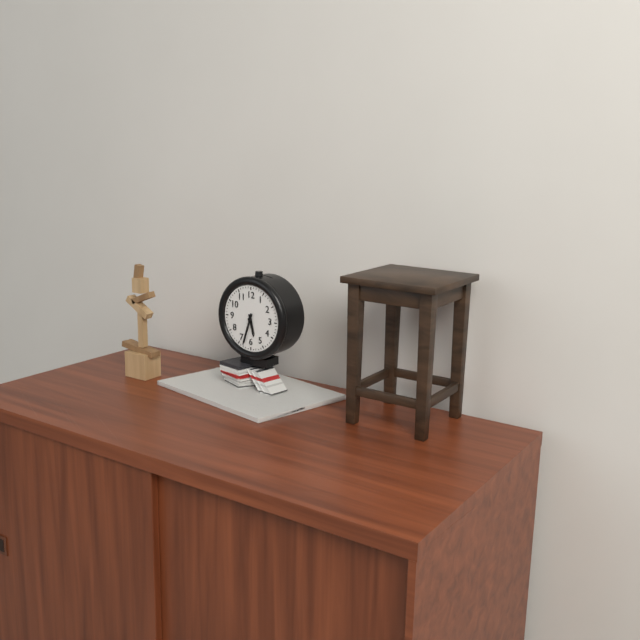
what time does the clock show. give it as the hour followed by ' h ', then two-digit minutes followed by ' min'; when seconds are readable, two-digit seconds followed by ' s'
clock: 5 h 33 min
